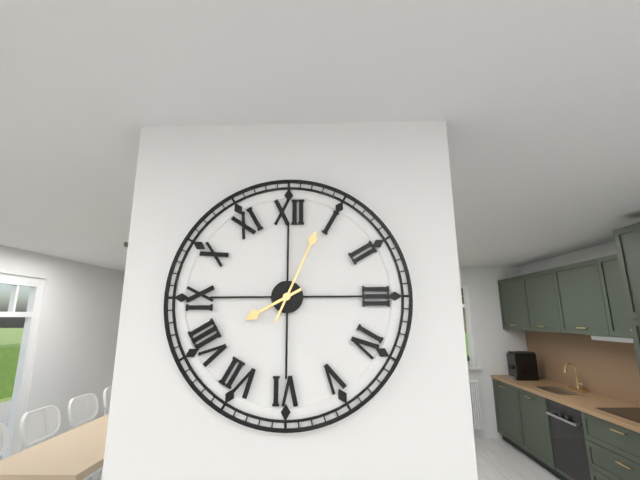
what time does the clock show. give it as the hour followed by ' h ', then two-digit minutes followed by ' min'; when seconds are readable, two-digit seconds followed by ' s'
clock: 8 h 04 min
